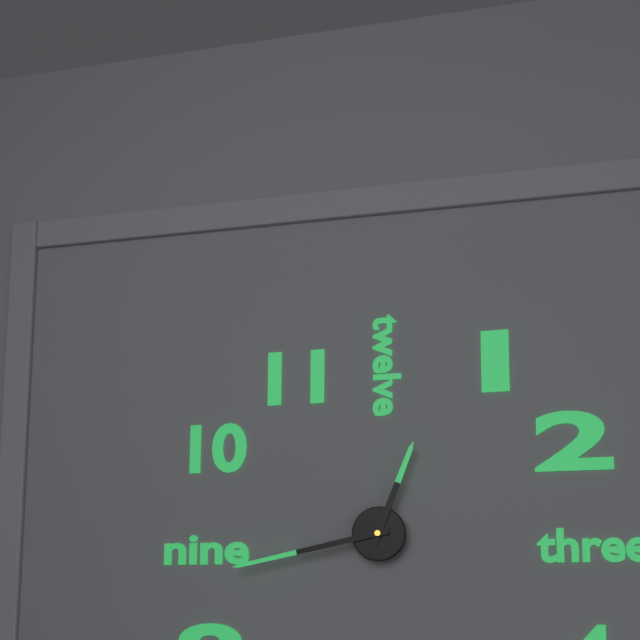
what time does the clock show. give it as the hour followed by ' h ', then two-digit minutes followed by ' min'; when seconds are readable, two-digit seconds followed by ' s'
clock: 12 h 43 min
